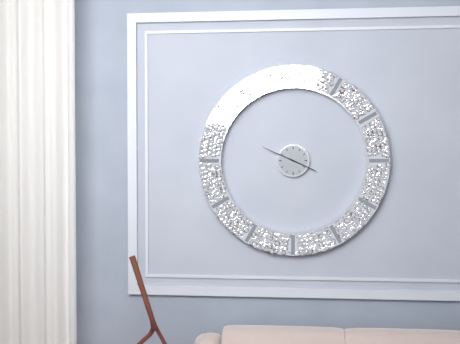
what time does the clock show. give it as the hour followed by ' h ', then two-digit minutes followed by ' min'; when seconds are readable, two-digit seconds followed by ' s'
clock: 3 h 49 min
